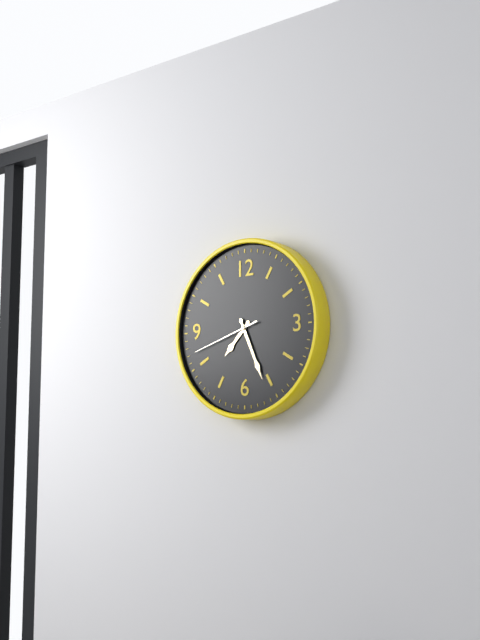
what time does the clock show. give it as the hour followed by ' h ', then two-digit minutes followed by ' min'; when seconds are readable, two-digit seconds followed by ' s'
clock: 7 h 26 min 42 s
